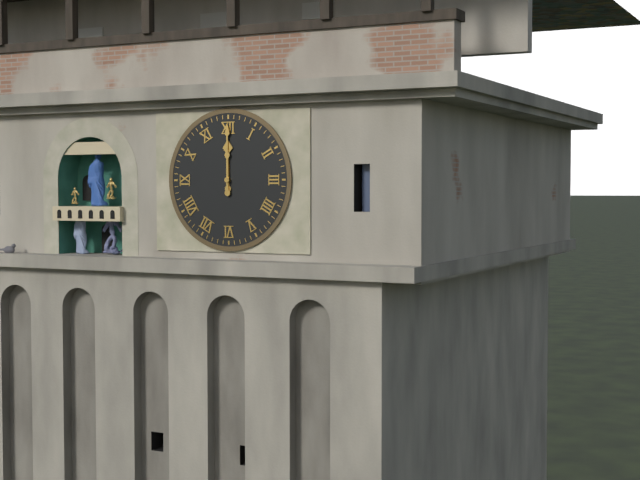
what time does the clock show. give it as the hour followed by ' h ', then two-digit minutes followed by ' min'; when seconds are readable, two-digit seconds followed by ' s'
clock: 12 h 00 min
